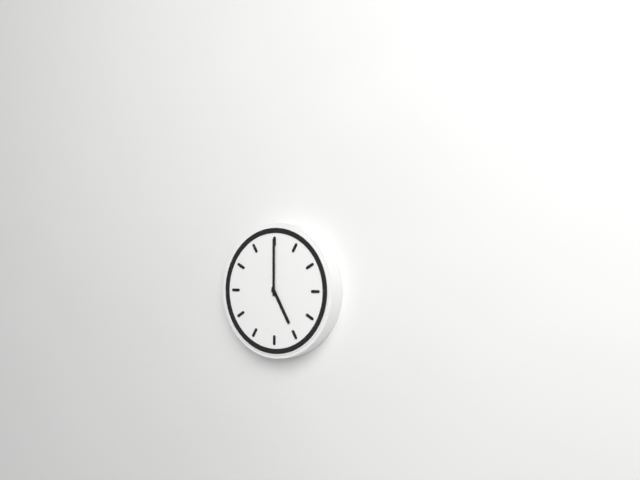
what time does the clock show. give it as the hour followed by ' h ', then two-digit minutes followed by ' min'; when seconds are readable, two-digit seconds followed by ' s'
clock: 5 h 00 min
